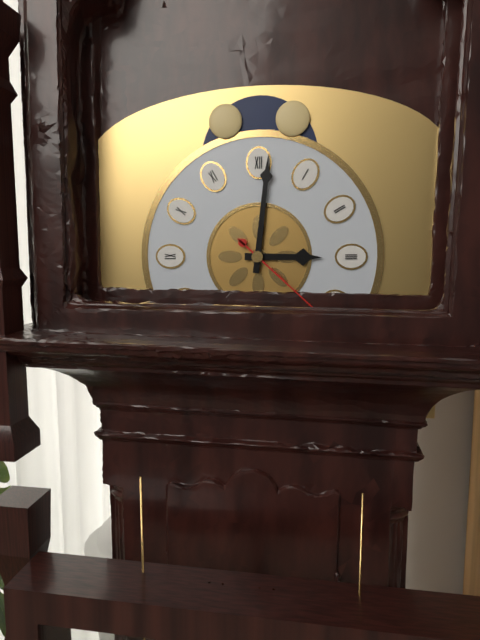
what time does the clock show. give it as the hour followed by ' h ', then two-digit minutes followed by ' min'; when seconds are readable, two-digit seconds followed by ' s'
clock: 3 h 01 min 22 s
